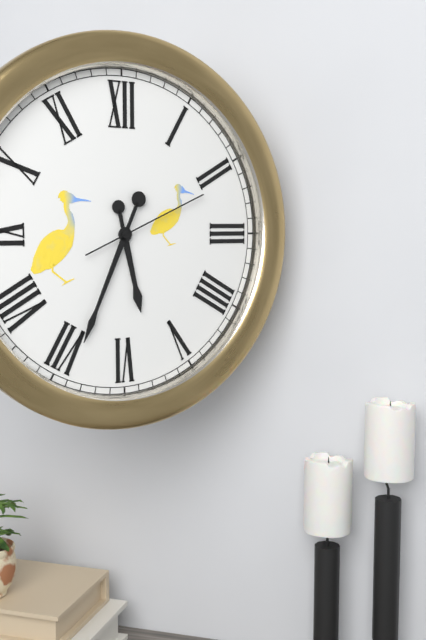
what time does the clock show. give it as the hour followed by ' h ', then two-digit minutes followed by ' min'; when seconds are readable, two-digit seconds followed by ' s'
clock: 5 h 34 min 11 s
